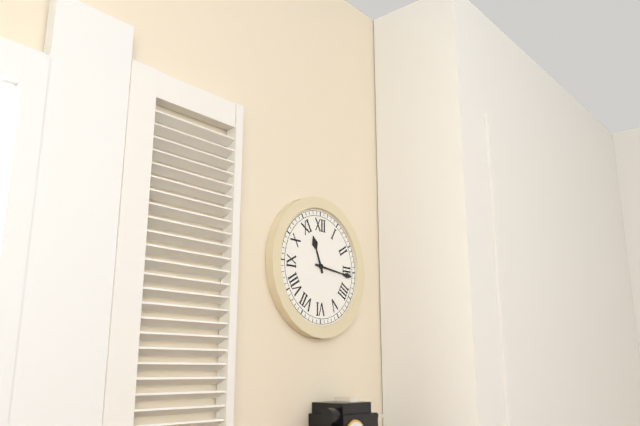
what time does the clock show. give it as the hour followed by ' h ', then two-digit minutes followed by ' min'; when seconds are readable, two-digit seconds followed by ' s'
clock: 11 h 16 min
